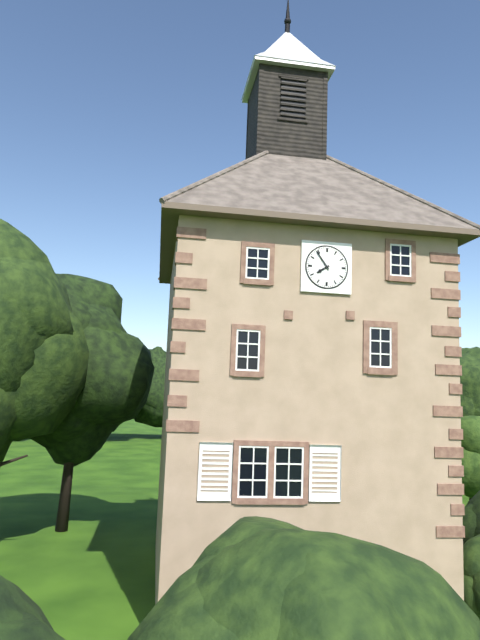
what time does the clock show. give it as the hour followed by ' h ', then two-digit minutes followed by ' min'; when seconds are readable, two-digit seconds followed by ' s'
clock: 7 h 54 min
